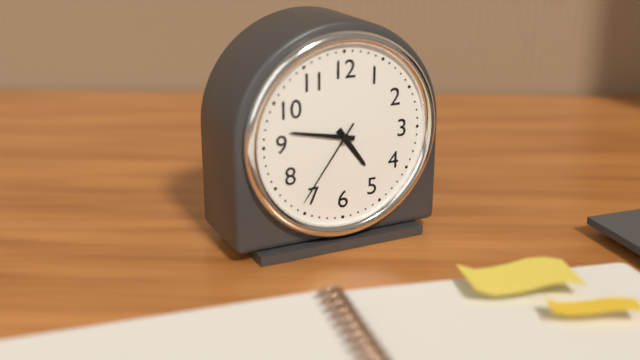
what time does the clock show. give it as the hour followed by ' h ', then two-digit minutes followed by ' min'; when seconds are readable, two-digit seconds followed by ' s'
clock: 4 h 47 min 36 s
